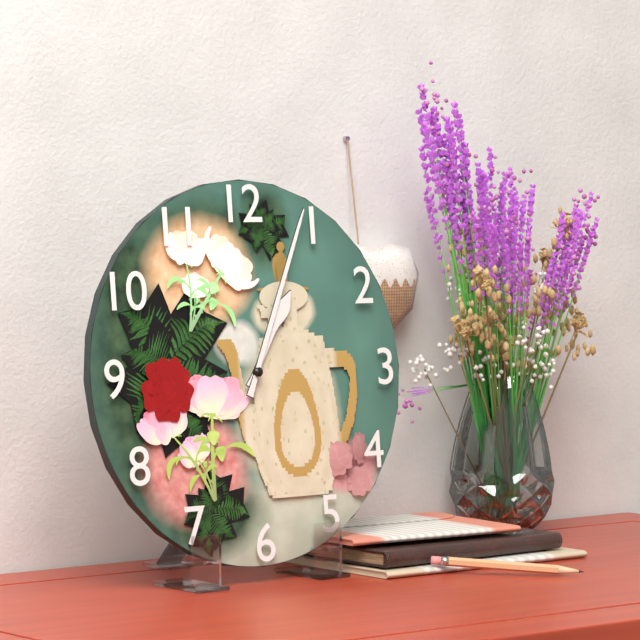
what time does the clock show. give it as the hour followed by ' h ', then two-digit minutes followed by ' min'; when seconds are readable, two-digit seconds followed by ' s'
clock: 1 h 04 min
